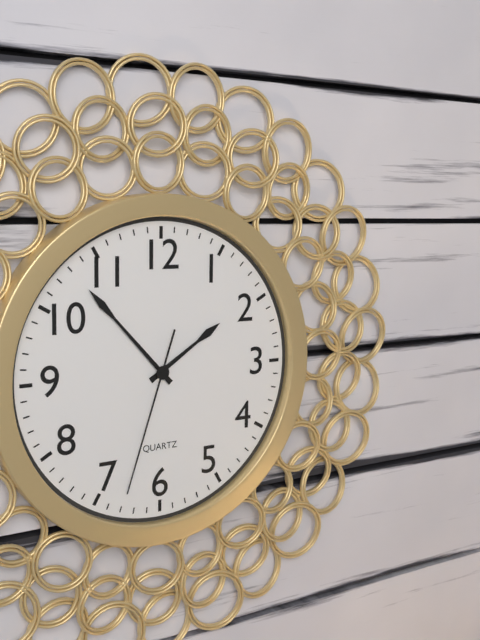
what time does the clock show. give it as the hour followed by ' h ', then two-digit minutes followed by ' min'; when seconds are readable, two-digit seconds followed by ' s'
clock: 1 h 53 min 33 s
